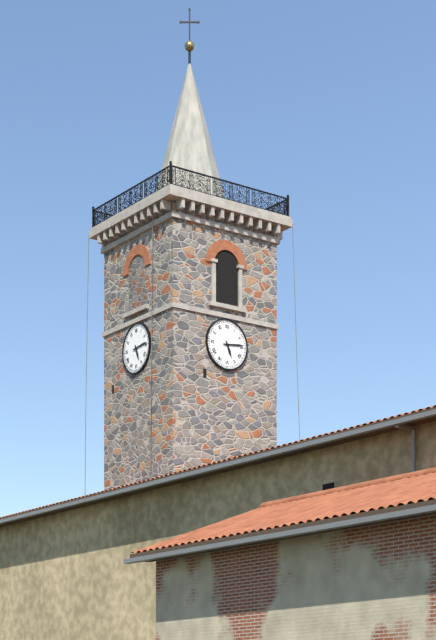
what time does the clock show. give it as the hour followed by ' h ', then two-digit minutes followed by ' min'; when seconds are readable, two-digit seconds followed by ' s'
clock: 5 h 14 min
